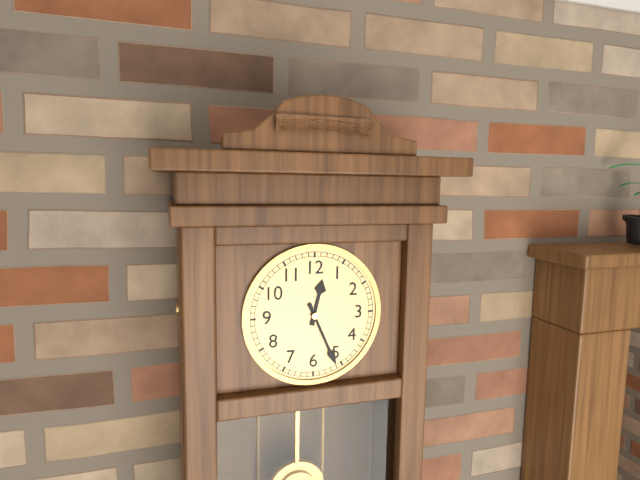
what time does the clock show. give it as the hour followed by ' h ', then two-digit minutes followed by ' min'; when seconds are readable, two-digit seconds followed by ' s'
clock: 12 h 26 min
